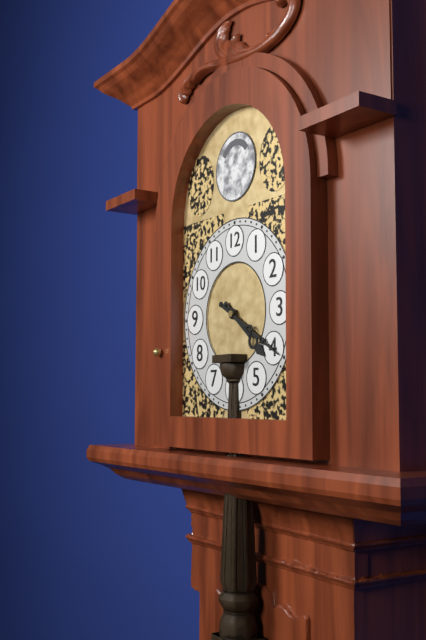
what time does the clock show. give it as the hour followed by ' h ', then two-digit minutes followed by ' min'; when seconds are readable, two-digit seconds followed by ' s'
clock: 4 h 20 min
